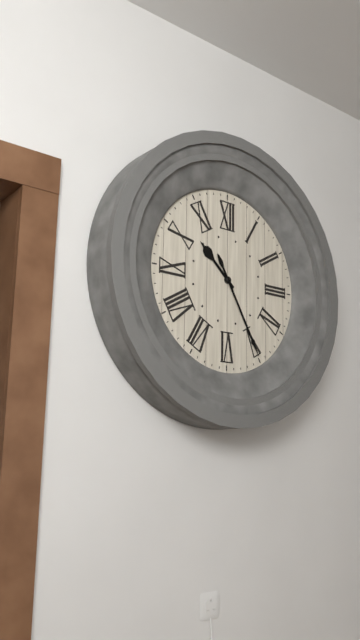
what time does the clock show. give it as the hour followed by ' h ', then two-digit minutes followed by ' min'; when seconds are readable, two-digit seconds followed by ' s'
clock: 10 h 25 min
